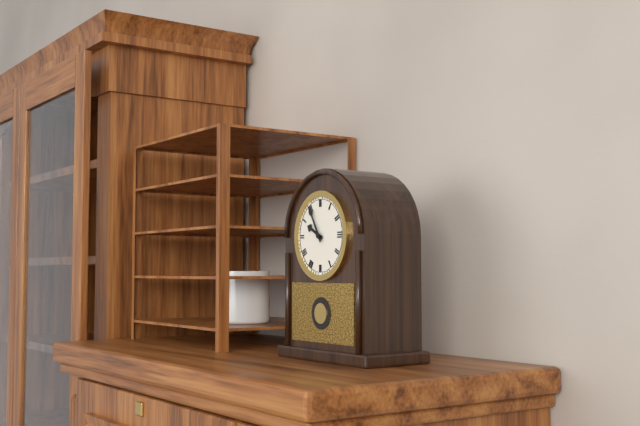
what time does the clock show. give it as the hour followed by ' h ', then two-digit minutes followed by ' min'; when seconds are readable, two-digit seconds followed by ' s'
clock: 9 h 55 min
